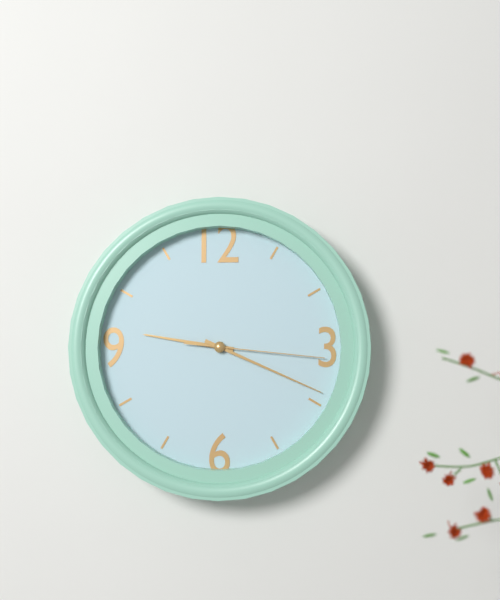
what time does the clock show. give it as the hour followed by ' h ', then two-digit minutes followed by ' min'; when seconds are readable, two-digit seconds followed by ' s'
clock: 9 h 19 min 16 s
